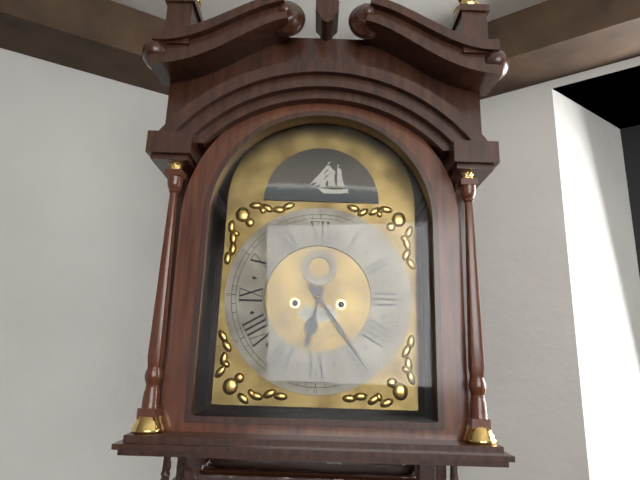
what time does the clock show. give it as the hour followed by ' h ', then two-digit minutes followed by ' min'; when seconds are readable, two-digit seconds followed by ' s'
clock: 6 h 24 min
